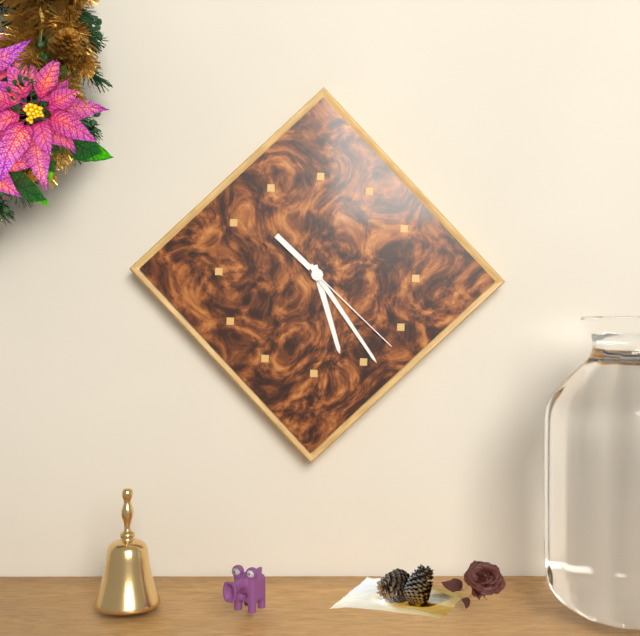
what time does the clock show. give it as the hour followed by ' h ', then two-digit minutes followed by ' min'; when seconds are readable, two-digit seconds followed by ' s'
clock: 5 h 24 min 22 s
